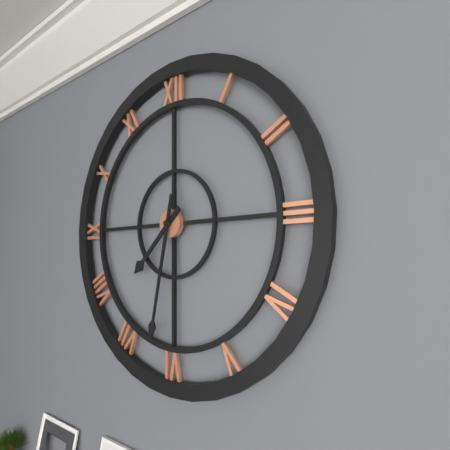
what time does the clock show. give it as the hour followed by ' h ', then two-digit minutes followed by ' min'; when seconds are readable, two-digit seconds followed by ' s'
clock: 7 h 32 min
